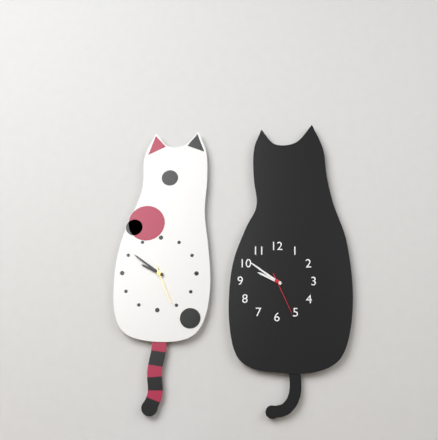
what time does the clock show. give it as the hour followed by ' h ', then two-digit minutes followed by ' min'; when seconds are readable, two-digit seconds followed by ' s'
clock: 9 h 51 min
